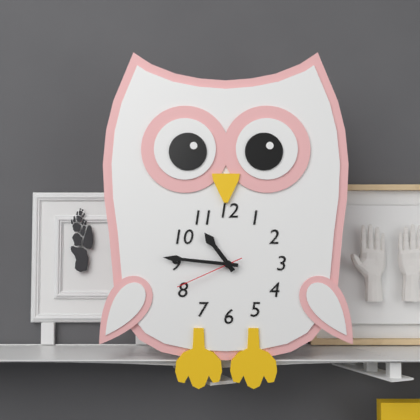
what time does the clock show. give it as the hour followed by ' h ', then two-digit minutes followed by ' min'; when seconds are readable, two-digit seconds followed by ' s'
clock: 10 h 46 min 41 s
